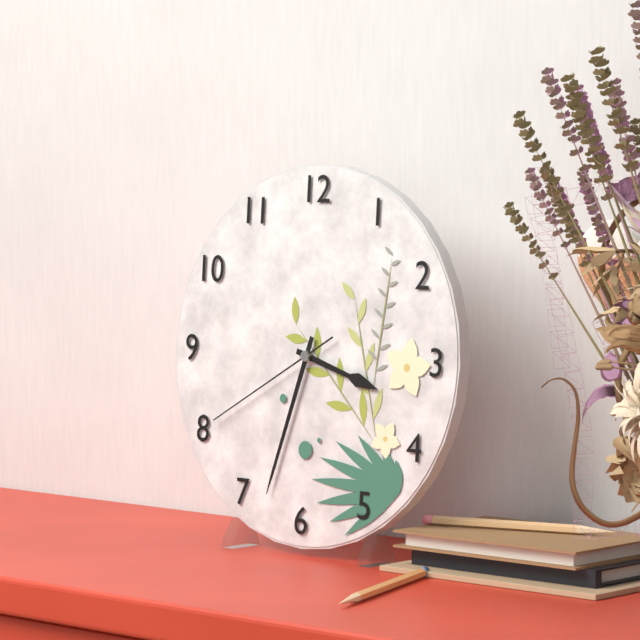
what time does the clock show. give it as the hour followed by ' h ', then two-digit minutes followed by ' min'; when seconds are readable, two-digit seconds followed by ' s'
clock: 3 h 33 min 40 s
